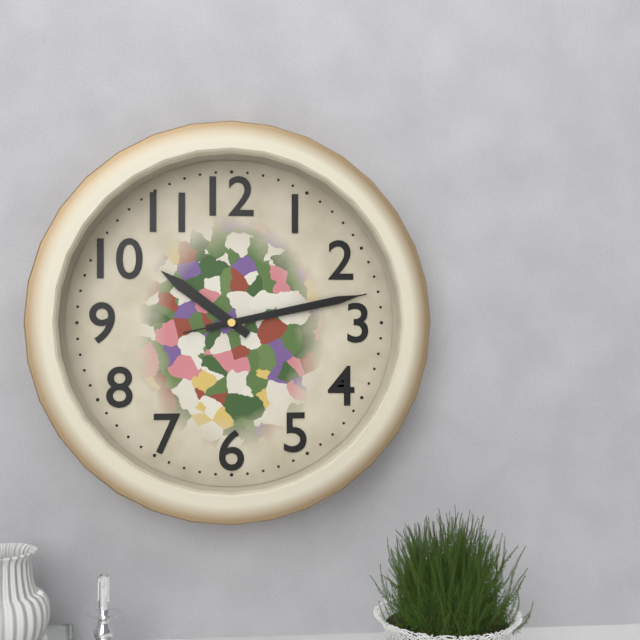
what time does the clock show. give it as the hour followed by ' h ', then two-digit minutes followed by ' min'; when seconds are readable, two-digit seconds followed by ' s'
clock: 10 h 13 min 13 s
